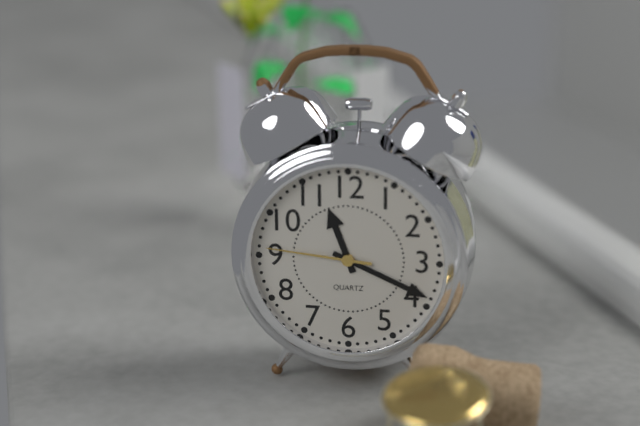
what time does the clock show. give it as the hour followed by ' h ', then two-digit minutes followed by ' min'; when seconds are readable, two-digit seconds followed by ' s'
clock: 11 h 19 min 46 s
